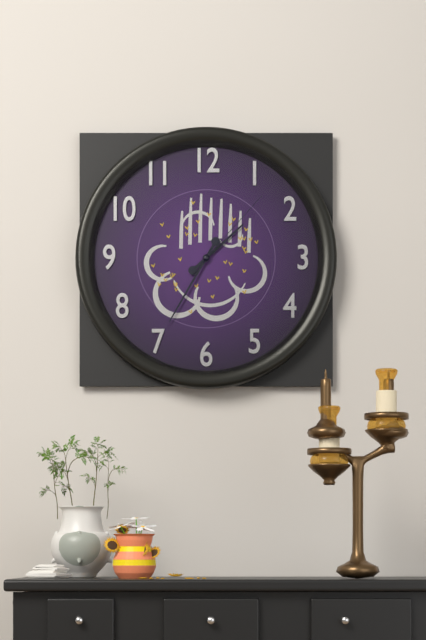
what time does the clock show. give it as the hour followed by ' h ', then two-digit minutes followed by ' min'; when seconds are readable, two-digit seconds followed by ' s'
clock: 1 h 35 min 07 s
